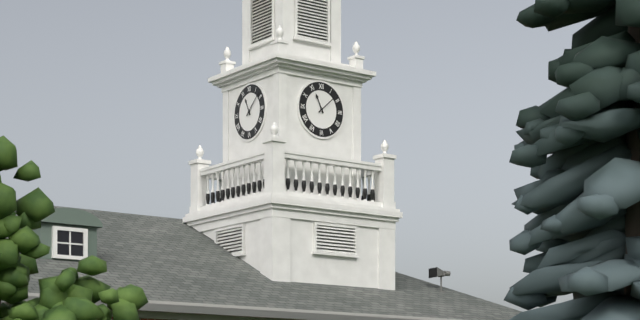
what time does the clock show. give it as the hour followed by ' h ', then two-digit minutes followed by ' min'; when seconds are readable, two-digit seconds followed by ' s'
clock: 11 h 08 min
